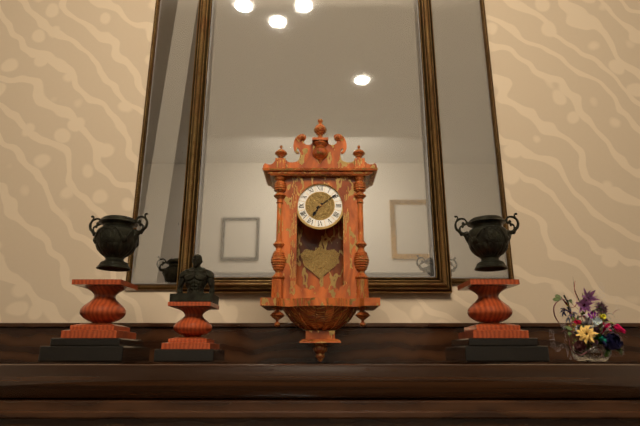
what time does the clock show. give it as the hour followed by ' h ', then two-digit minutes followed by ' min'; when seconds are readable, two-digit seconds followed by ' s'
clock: 7 h 09 min
